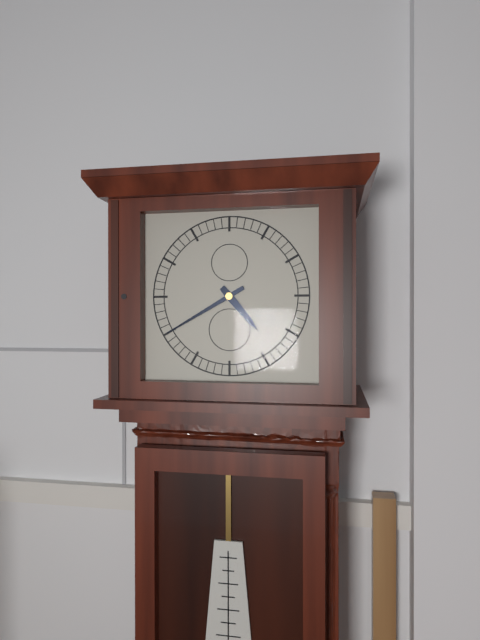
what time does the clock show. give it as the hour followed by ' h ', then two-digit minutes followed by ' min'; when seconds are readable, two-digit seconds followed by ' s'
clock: 4 h 40 min
